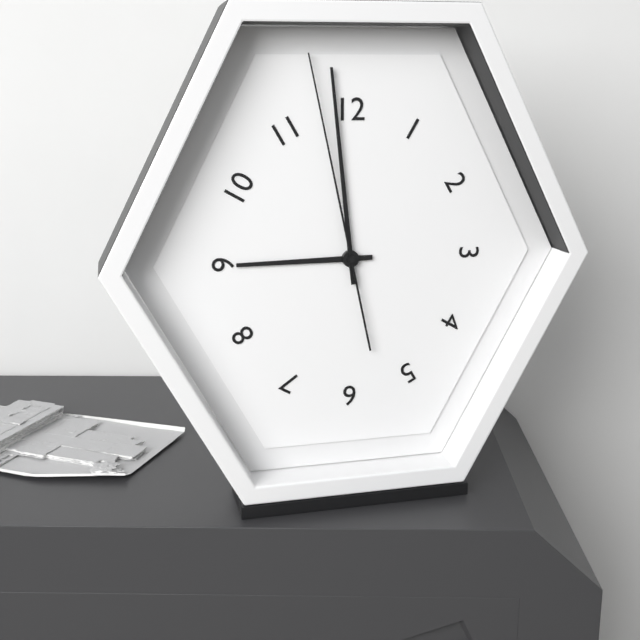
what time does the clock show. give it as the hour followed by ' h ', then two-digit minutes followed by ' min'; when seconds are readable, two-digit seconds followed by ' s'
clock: 8 h 59 min 58 s
